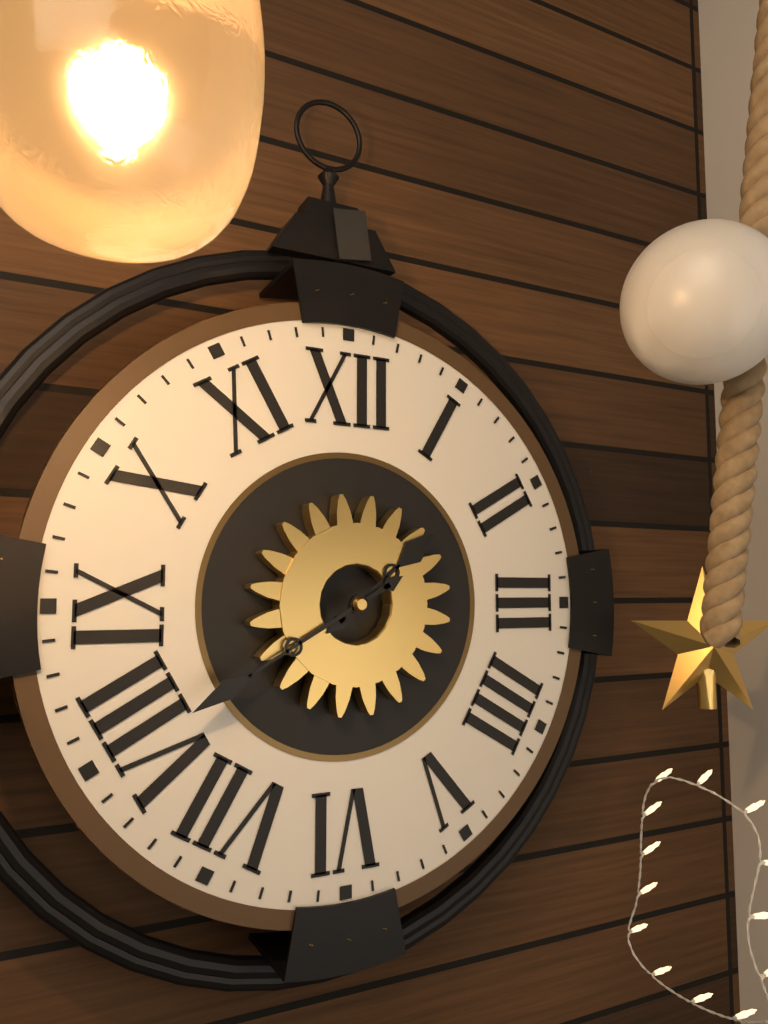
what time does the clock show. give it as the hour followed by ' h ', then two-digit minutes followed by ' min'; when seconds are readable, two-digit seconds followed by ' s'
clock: 1 h 40 min
